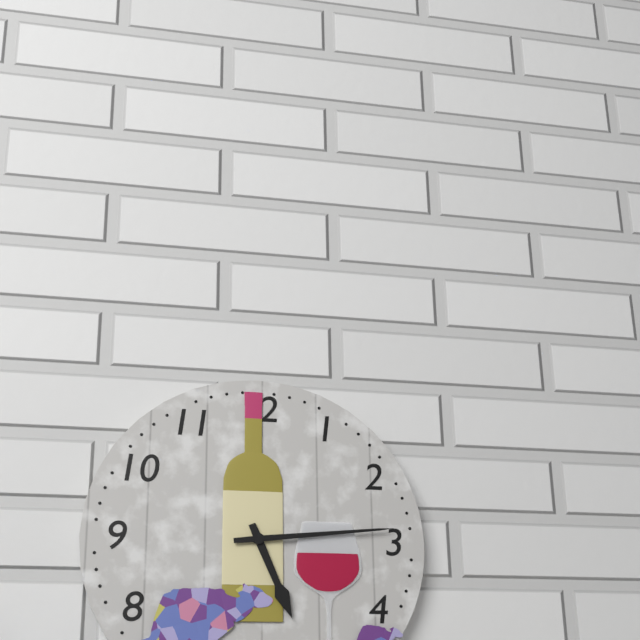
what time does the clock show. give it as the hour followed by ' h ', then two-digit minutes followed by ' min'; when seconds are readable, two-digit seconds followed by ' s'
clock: 5 h 14 min
